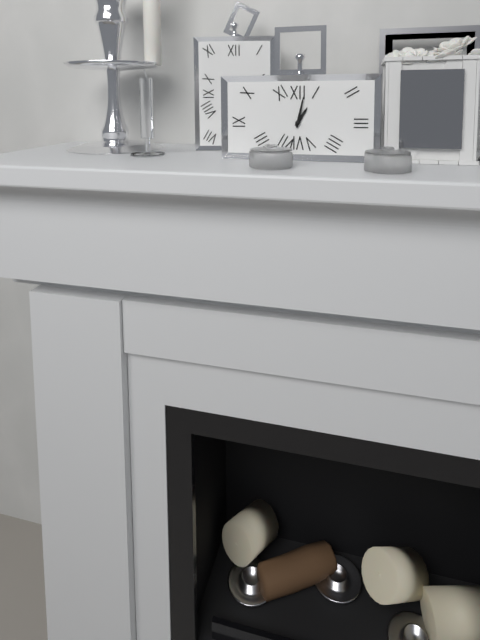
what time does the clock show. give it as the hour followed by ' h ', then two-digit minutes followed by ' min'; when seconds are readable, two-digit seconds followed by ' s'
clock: 1 h 02 min
